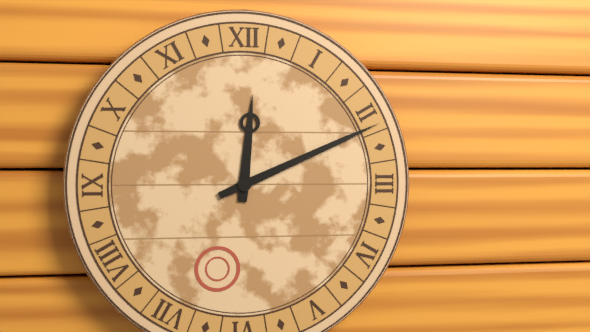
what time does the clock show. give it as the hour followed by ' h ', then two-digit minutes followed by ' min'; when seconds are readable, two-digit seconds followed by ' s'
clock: 12 h 11 min
